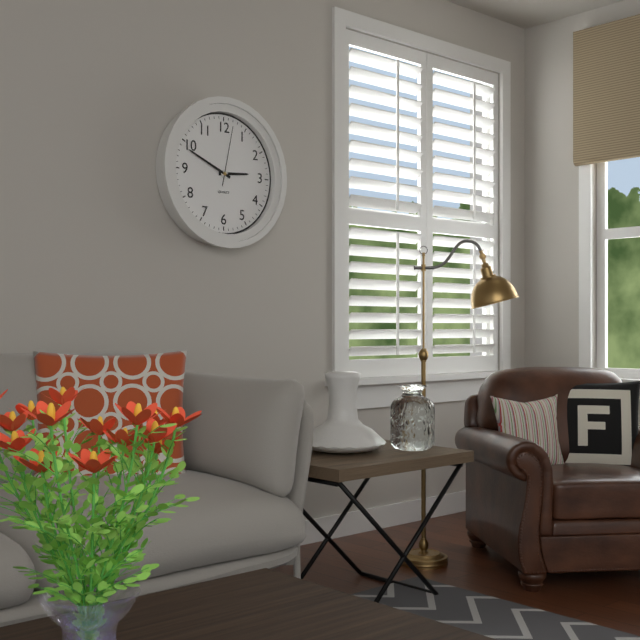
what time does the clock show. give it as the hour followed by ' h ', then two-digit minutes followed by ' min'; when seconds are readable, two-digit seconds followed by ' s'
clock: 2 h 49 min 02 s
